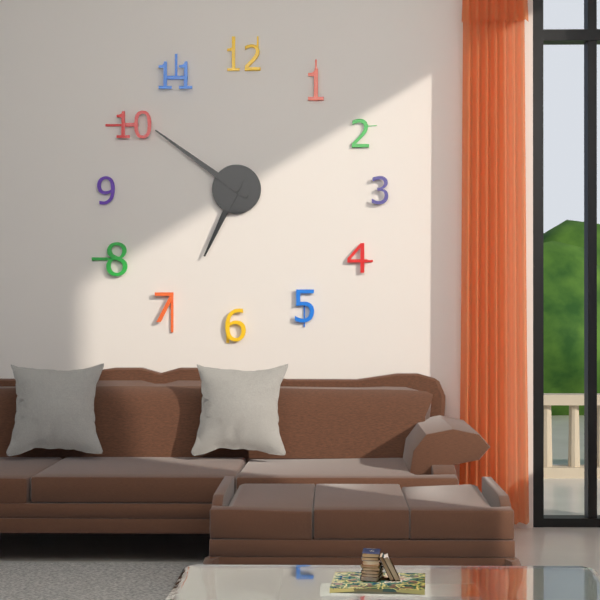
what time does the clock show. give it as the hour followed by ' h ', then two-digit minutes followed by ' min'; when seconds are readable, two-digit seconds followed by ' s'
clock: 6 h 51 min
